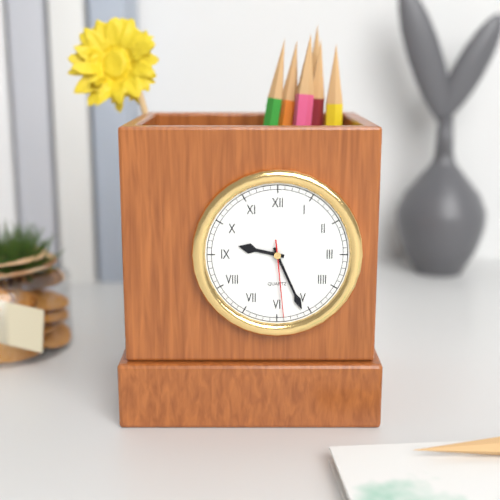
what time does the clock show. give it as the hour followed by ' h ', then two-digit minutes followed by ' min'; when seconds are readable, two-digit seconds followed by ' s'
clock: 9 h 26 min 29 s
